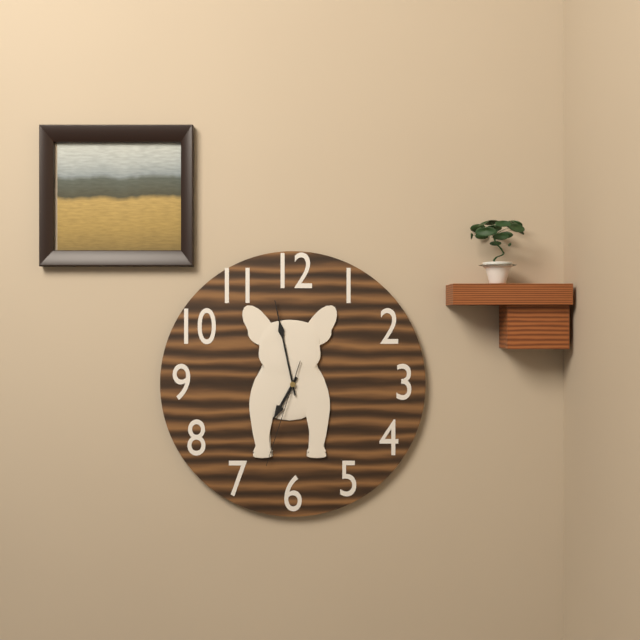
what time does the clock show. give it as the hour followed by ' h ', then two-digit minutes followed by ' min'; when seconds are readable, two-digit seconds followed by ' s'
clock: 6 h 58 min 33 s
